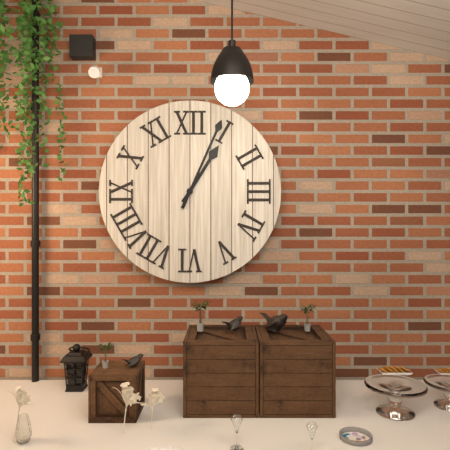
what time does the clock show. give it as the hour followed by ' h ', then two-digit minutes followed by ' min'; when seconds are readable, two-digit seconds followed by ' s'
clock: 1 h 04 min
